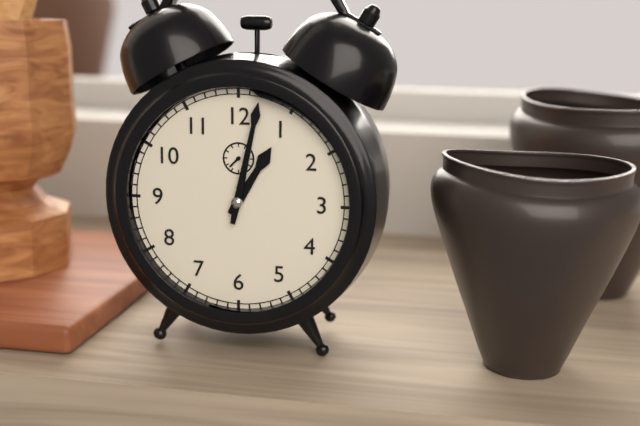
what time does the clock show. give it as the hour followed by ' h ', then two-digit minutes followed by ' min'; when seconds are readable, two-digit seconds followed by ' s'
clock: 1 h 02 min
